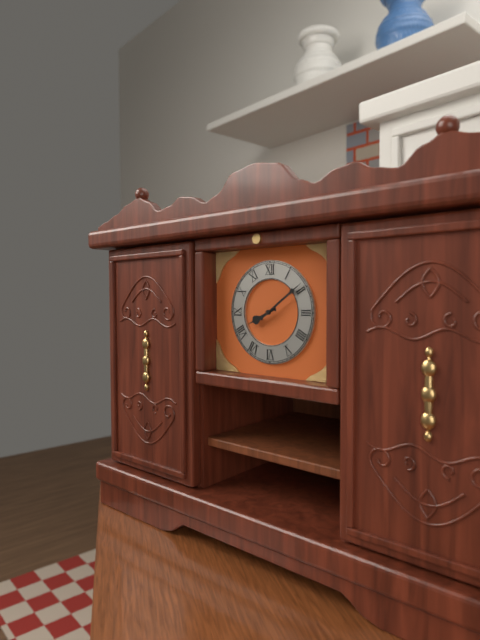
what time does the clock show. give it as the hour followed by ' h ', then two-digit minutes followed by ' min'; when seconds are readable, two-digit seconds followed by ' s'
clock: 8 h 09 min
